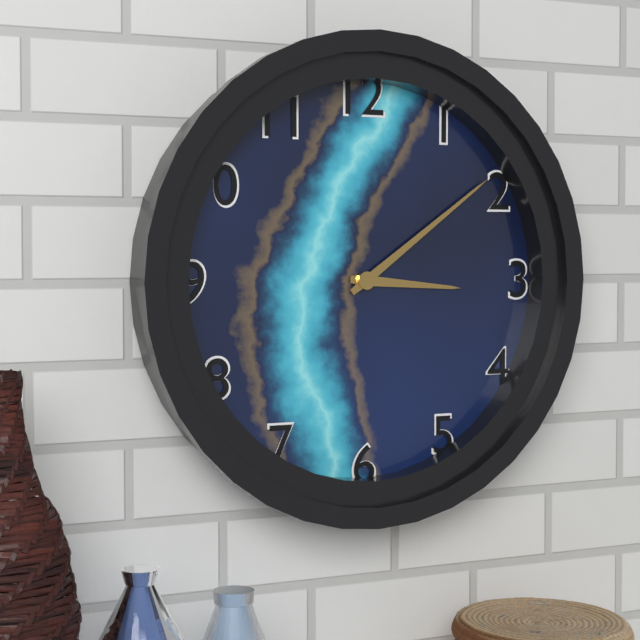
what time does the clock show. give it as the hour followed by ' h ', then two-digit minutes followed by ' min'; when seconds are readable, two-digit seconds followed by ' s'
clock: 3 h 09 min
